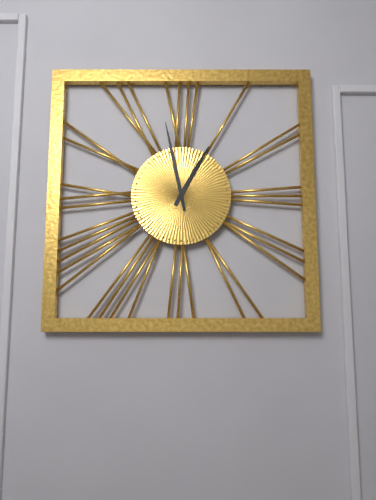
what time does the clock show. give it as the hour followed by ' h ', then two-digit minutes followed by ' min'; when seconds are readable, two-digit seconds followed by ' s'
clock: 12 h 58 min
